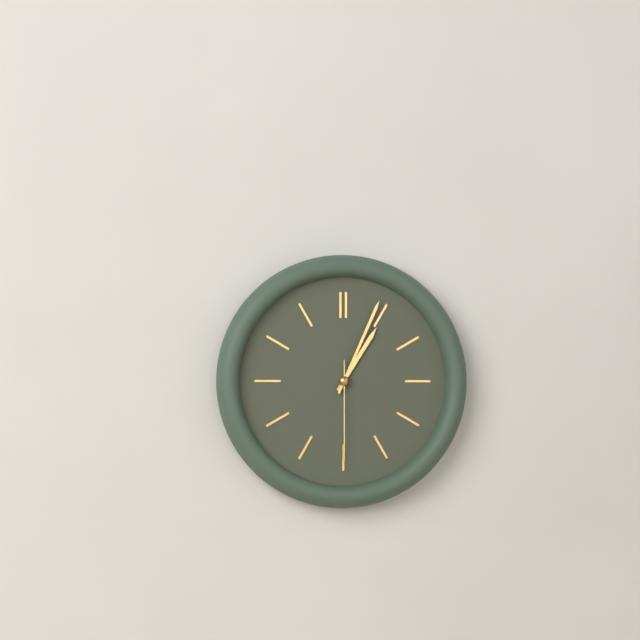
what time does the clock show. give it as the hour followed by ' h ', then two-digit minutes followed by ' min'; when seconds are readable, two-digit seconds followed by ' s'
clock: 1 h 04 min 30 s
